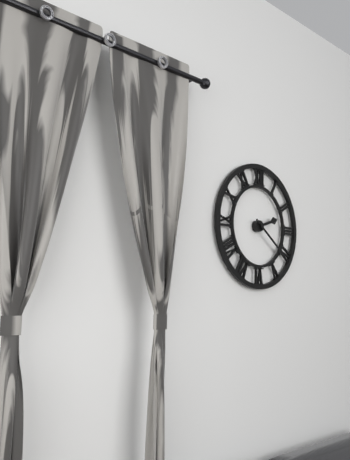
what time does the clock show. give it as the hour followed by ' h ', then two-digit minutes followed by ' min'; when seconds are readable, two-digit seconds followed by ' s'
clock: 2 h 21 min
